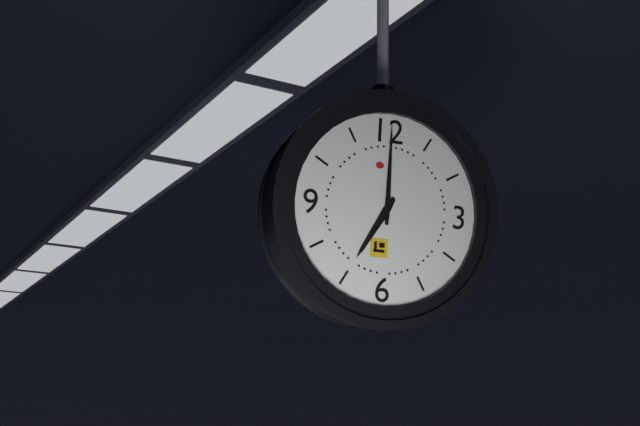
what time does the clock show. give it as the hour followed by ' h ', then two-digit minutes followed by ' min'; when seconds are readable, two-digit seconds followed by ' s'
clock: 7 h 00 min
